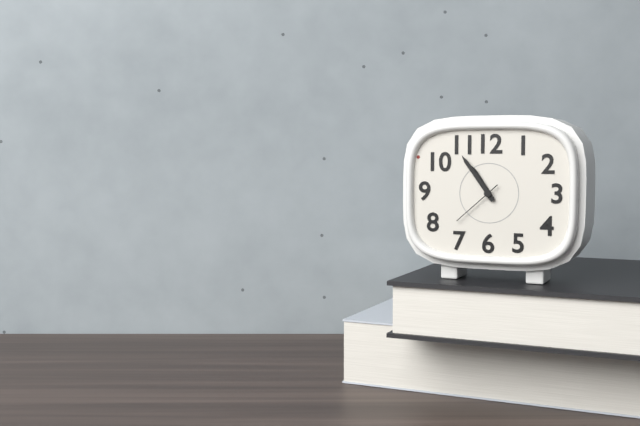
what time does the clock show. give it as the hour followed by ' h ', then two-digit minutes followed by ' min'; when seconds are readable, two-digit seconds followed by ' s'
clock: 10 h 54 min 38 s
